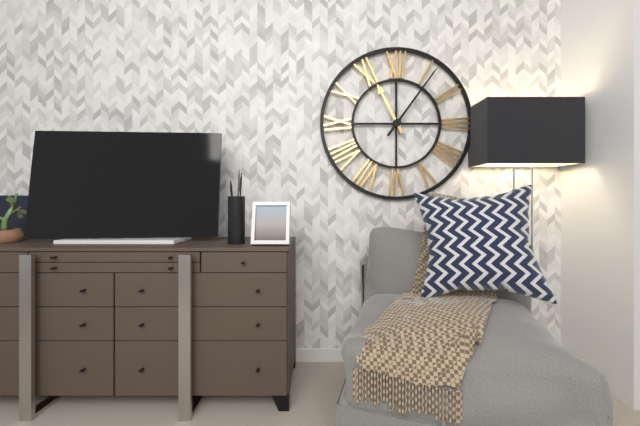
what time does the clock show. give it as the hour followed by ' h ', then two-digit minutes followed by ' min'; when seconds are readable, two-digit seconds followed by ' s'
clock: 11 h 06 min
